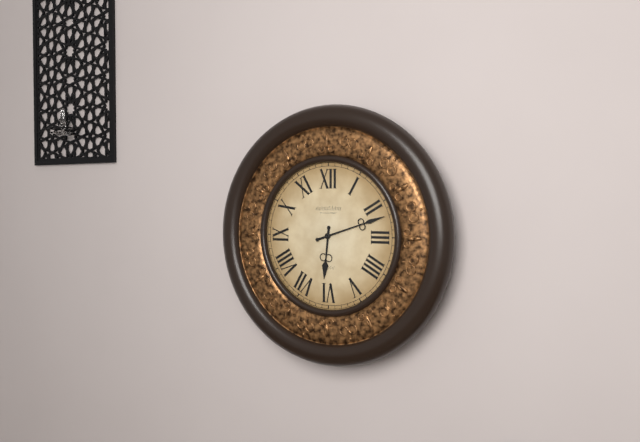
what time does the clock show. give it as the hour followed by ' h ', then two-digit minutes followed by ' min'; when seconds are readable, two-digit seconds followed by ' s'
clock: 6 h 12 min
